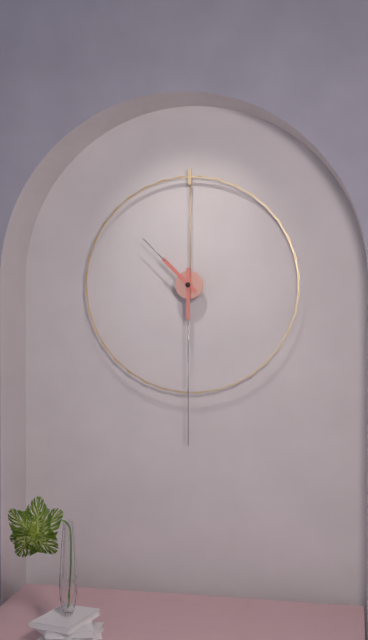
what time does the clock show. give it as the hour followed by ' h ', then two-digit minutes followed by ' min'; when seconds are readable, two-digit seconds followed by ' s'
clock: 10 h 30 min
